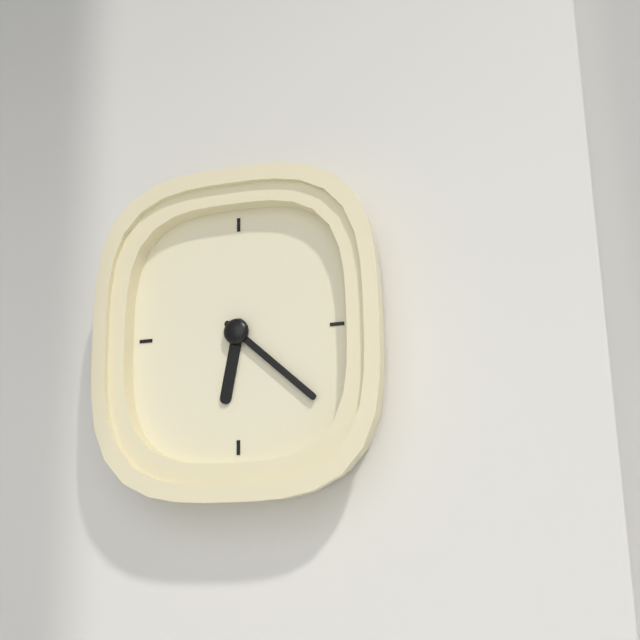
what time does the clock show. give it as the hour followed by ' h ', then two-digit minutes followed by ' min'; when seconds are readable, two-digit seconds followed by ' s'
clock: 6 h 22 min
